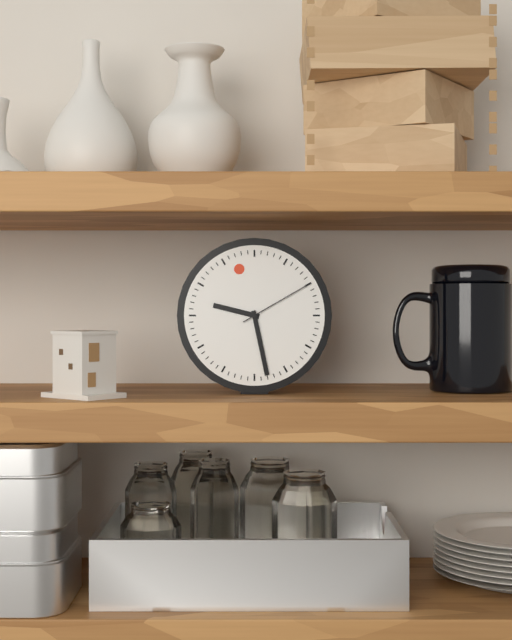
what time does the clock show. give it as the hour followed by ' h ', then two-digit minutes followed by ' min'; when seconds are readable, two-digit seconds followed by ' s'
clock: 9 h 28 min 10 s
